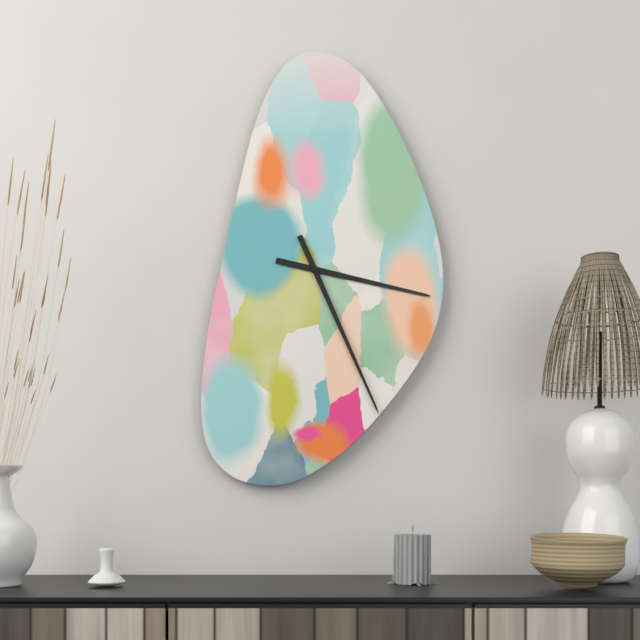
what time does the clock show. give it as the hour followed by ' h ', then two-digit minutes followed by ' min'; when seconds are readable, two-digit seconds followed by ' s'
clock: 3 h 26 min
